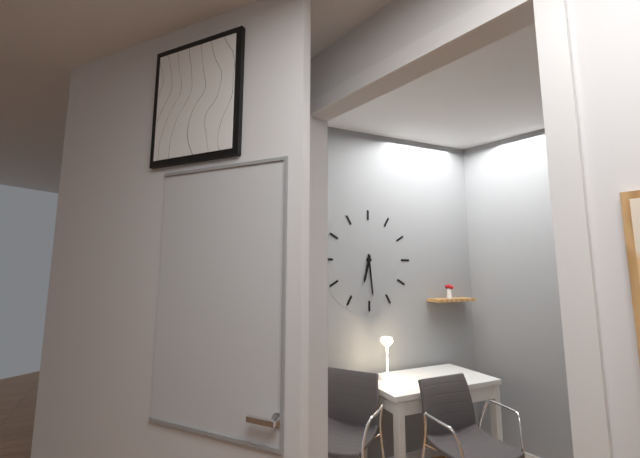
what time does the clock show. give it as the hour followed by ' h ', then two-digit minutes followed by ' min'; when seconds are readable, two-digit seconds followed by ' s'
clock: 6 h 29 min
